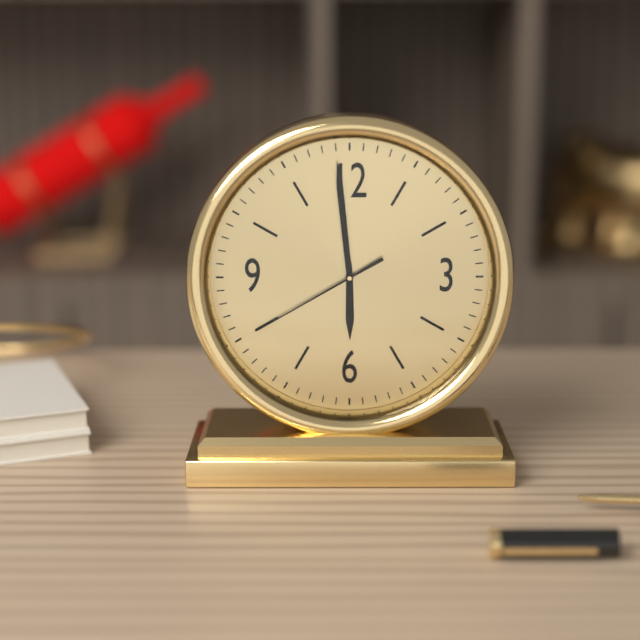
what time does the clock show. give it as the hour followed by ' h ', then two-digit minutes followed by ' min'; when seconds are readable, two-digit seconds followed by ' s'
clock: 5 h 59 min 40 s
